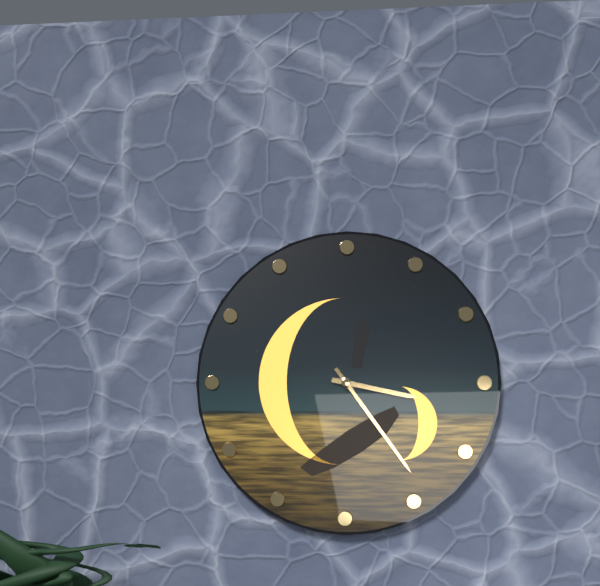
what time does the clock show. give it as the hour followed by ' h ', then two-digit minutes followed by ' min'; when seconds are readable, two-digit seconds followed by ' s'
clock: 3 h 24 min
